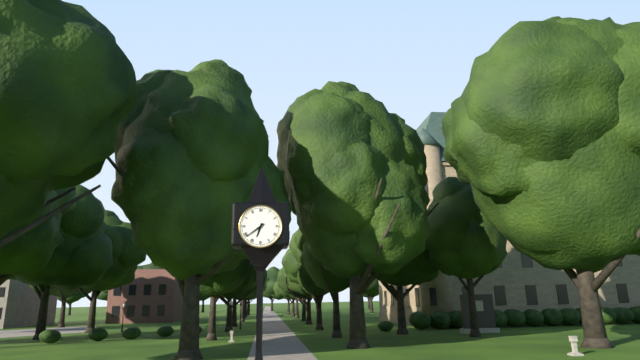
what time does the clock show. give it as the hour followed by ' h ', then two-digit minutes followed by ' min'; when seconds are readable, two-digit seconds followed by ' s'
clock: 6 h 39 min
